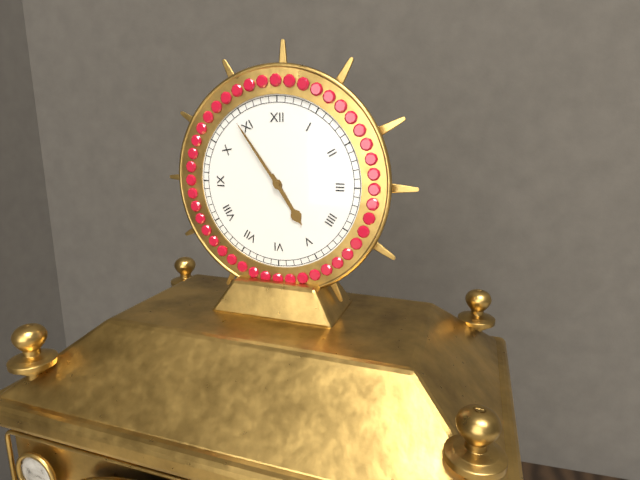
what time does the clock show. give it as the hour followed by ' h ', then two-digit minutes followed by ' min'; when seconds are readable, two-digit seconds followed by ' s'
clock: 4 h 54 min
